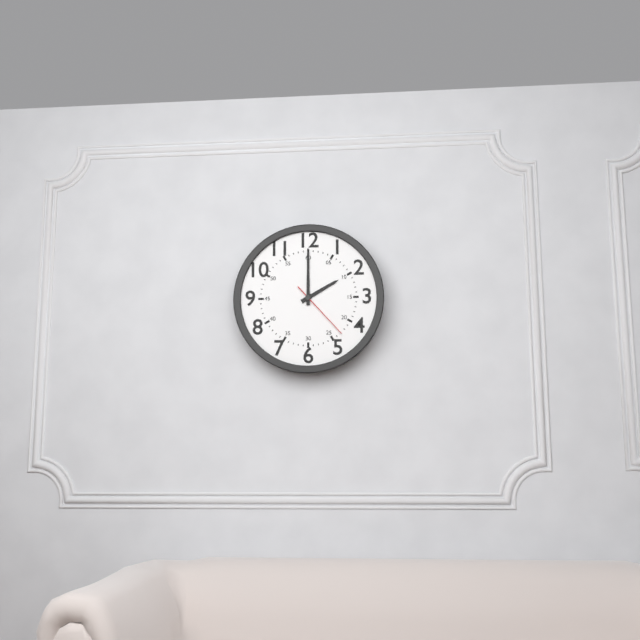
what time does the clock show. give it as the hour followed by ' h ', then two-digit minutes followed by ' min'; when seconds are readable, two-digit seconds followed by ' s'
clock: 2 h 00 min 23 s
